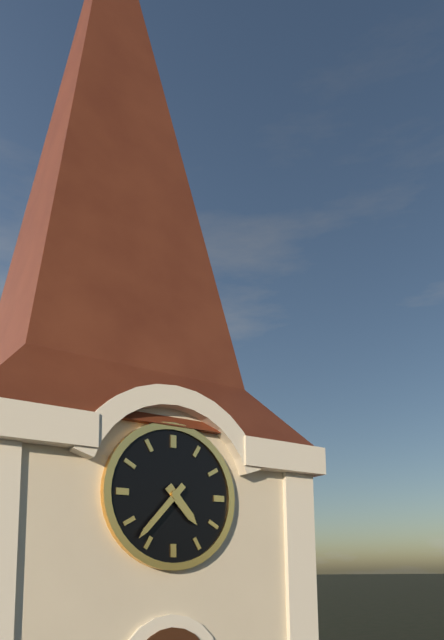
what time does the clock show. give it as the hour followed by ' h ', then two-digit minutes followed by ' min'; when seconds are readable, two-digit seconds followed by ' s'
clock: 4 h 37 min
